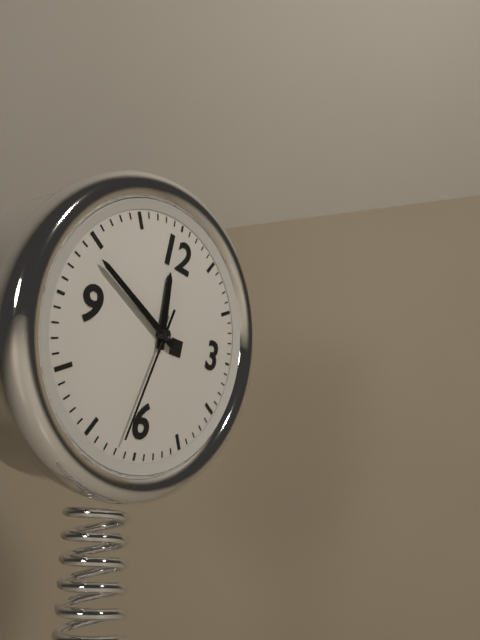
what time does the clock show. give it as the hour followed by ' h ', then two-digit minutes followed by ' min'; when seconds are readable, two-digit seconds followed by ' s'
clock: 11 h 49 min 32 s
